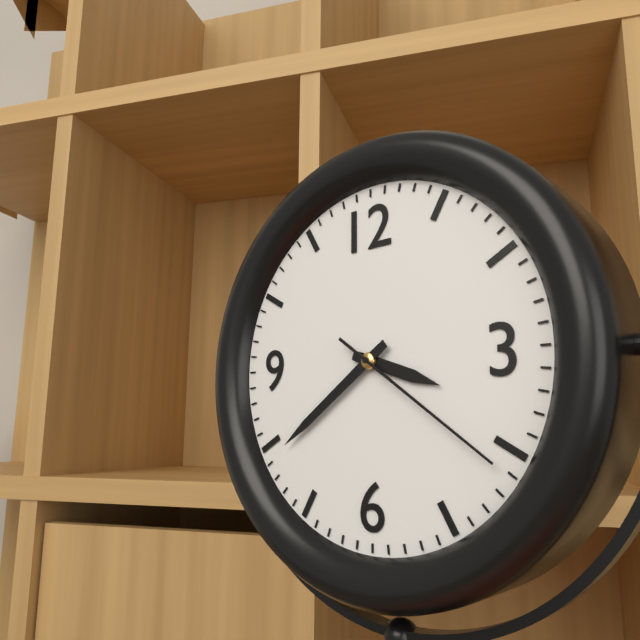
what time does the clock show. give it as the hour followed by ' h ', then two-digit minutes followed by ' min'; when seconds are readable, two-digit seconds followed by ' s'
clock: 3 h 39 min 21 s
